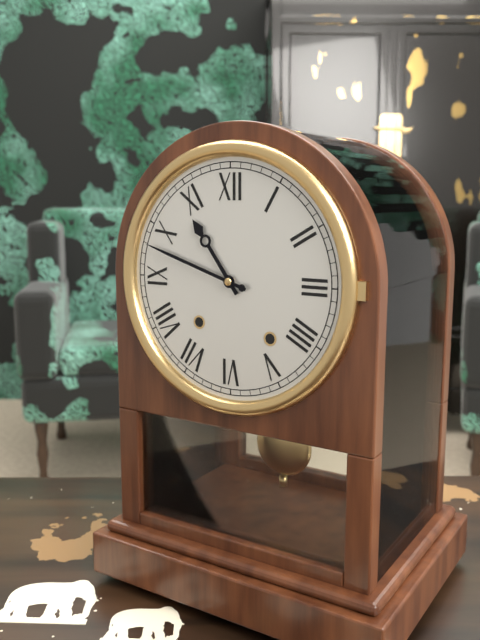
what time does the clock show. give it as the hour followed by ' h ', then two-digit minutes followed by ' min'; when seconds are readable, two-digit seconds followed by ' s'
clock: 10 h 48 min
